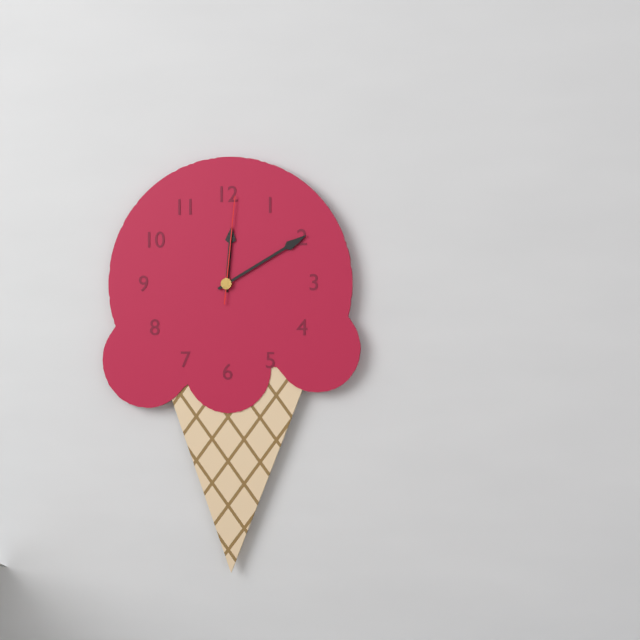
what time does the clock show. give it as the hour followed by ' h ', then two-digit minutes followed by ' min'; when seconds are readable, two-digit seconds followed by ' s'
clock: 12 h 10 min 01 s
